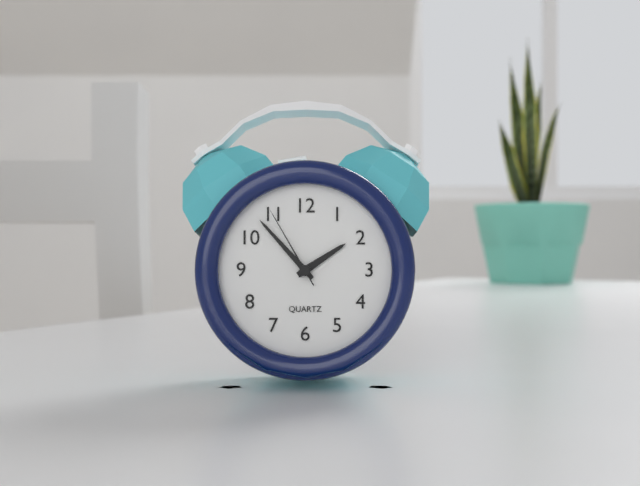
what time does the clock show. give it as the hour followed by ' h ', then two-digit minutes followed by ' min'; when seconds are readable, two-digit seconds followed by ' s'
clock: 1 h 53 min 55 s
